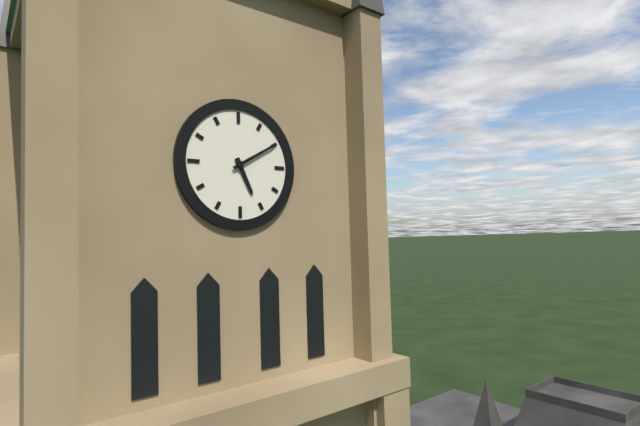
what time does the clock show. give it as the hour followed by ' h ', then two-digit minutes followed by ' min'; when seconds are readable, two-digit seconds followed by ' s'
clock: 5 h 10 min
